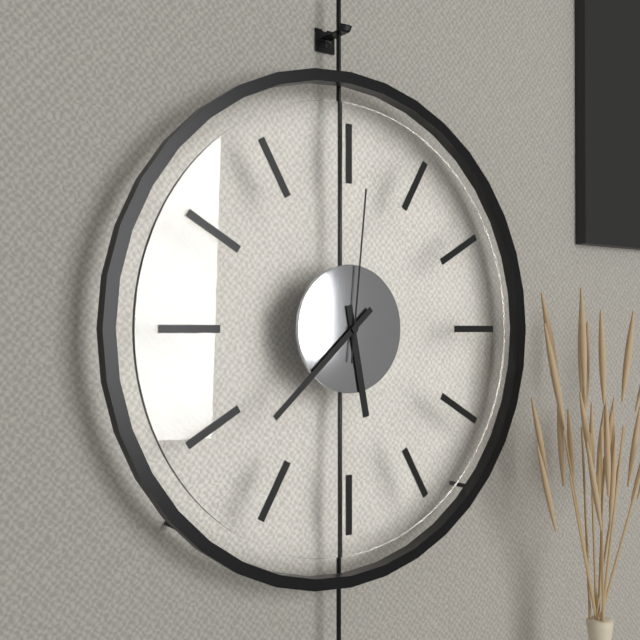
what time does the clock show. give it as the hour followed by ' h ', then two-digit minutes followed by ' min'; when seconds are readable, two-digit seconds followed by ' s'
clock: 5 h 38 min 01 s
